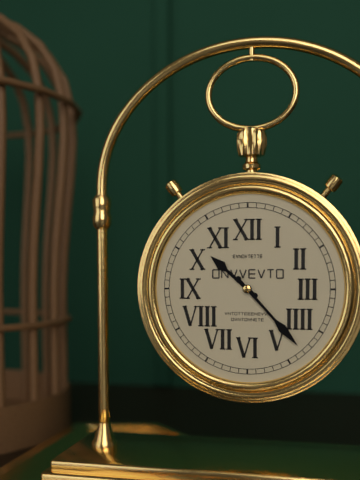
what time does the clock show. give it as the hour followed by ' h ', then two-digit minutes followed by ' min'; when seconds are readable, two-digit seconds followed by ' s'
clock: 10 h 23 min
